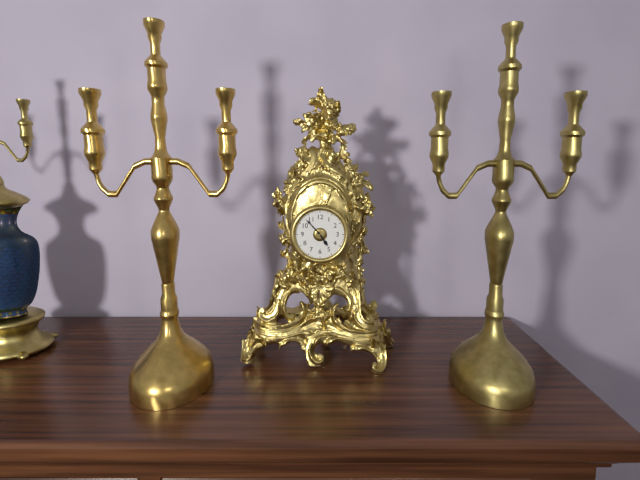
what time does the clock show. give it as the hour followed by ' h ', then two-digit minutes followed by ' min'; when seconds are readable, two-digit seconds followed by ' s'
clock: 4 h 53 min
